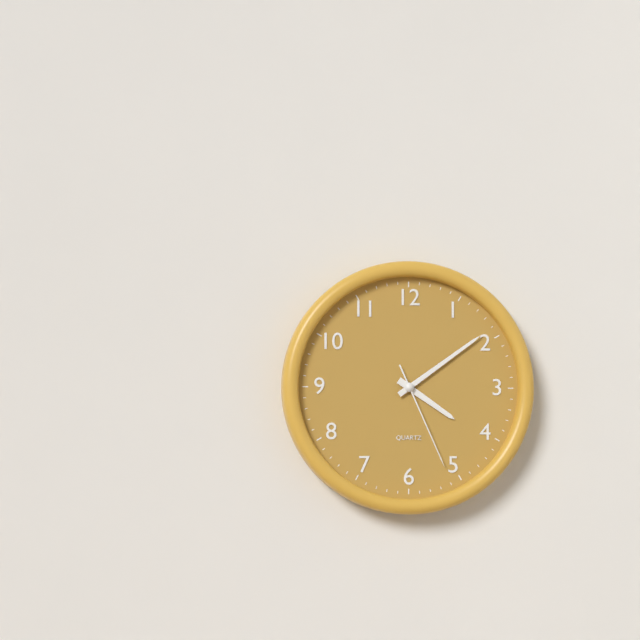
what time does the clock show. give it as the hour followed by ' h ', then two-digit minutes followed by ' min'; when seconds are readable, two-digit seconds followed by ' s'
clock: 4 h 09 min 26 s
